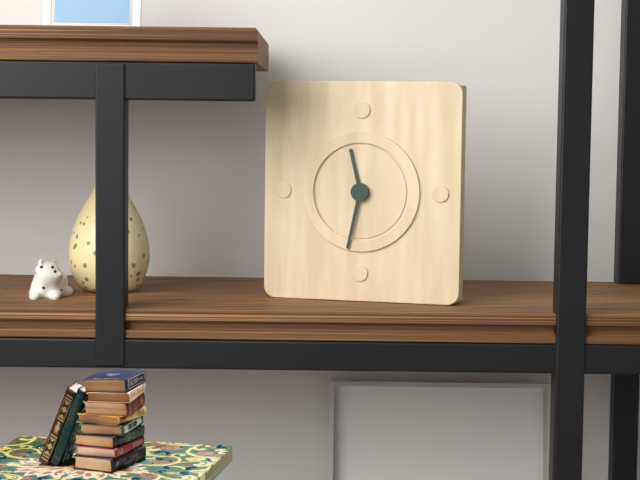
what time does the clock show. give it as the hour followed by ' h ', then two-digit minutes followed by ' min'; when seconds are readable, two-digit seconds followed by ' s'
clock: 11 h 32 min
